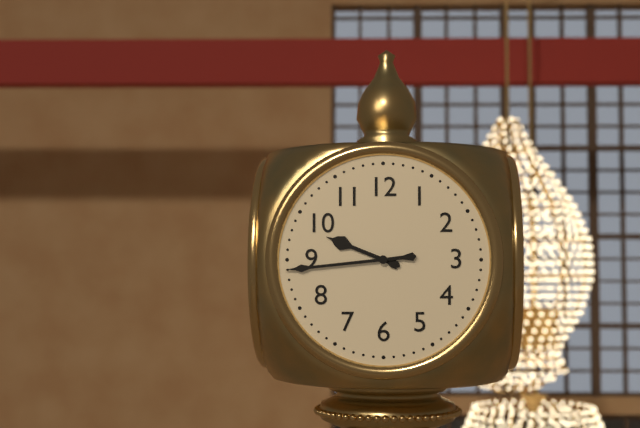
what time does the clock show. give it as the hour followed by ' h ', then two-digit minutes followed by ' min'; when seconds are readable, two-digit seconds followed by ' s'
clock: 9 h 44 min
